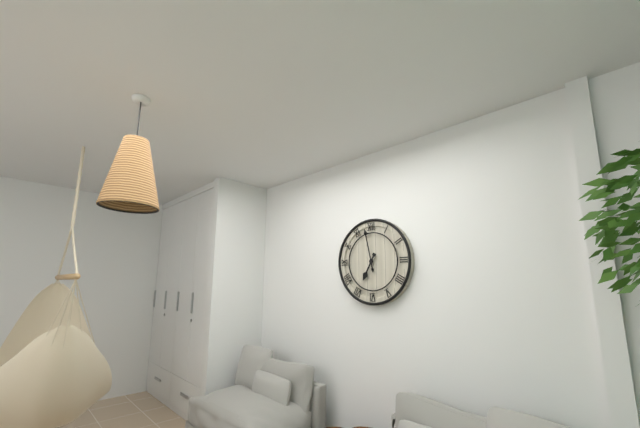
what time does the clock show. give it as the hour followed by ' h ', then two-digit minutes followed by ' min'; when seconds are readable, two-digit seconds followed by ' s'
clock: 6 h 58 min
